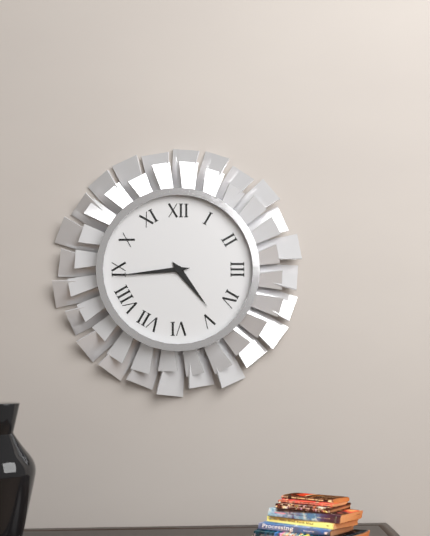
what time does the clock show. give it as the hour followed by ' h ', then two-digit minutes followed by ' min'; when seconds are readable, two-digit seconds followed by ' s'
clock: 4 h 44 min
